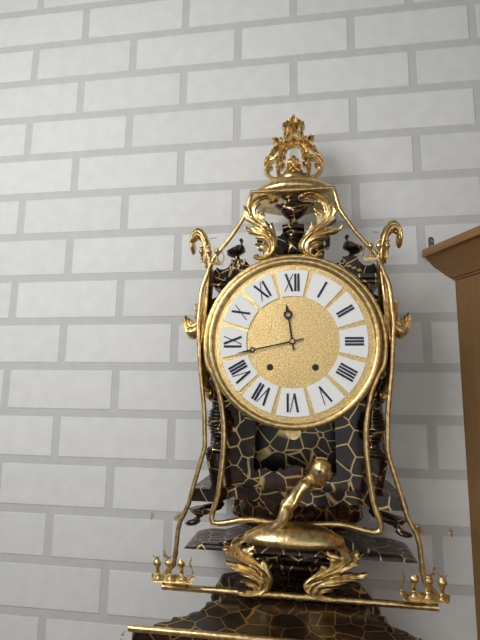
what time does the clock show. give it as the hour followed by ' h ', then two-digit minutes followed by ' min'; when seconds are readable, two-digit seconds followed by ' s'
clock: 11 h 43 min
